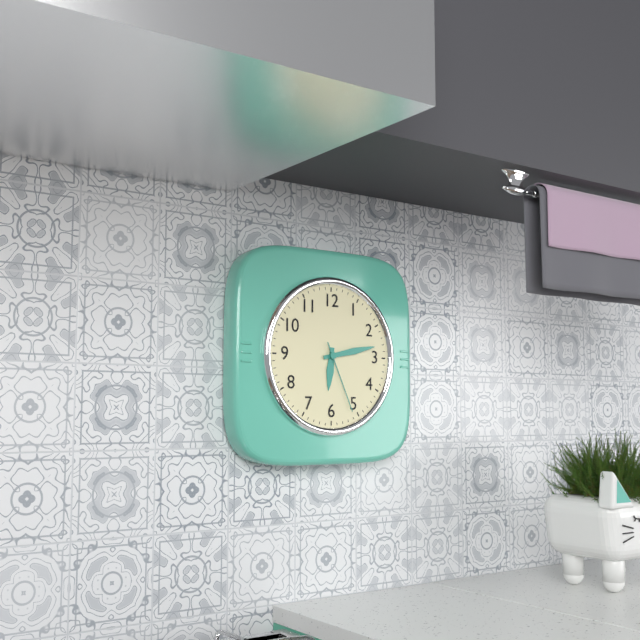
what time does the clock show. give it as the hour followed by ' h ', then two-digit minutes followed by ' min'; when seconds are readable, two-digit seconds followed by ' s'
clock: 6 h 13 min 26 s
